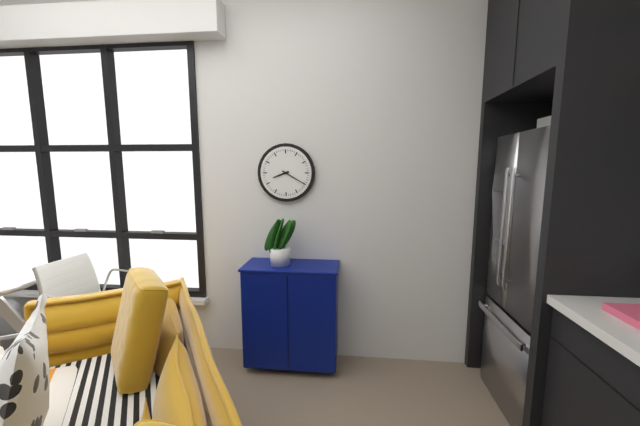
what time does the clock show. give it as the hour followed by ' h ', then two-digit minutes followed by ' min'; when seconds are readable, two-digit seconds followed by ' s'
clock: 8 h 20 min
